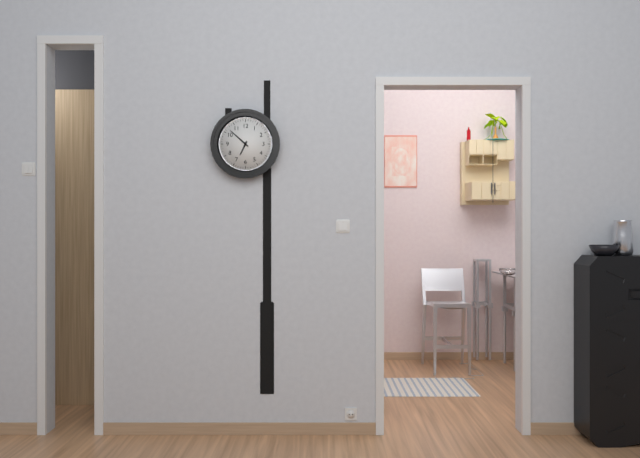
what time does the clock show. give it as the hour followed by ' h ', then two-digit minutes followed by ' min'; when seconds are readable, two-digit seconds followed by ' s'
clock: 6 h 52 min
